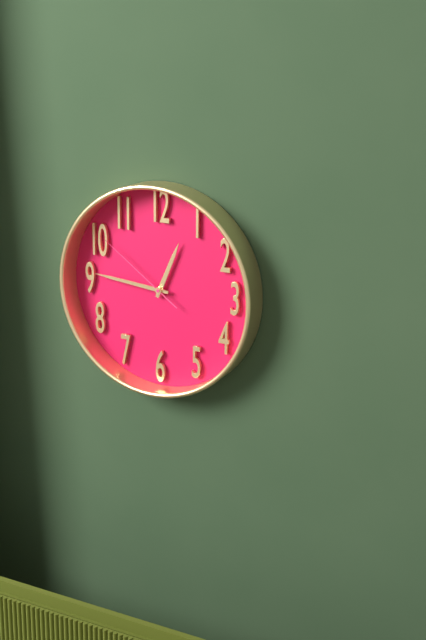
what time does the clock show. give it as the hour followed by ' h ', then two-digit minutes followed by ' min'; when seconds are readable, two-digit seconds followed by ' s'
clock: 12 h 46 min 51 s
